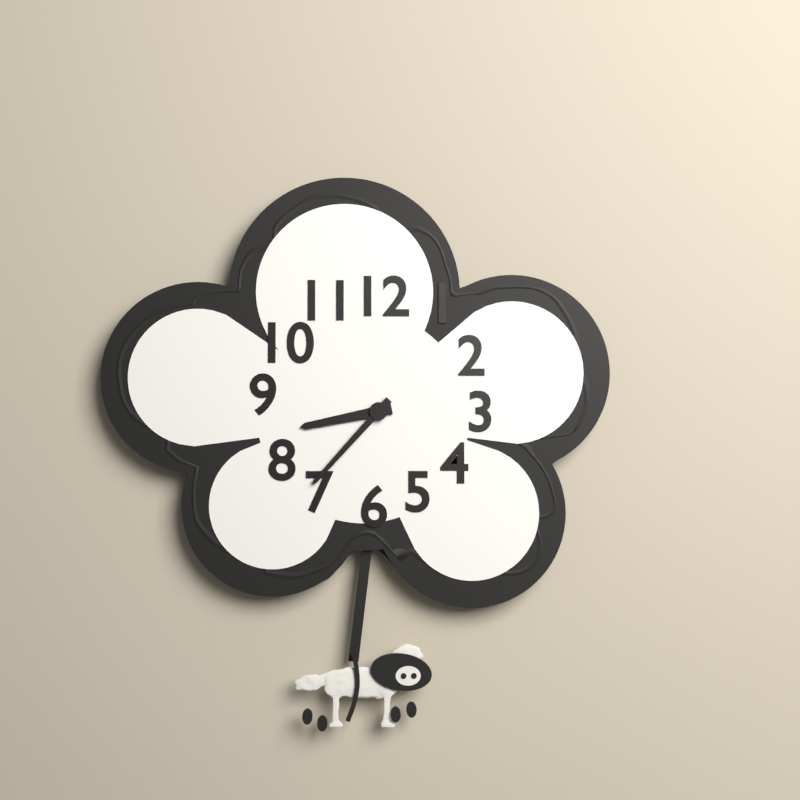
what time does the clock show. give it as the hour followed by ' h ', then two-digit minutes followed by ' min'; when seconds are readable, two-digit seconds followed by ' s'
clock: 8 h 37 min
